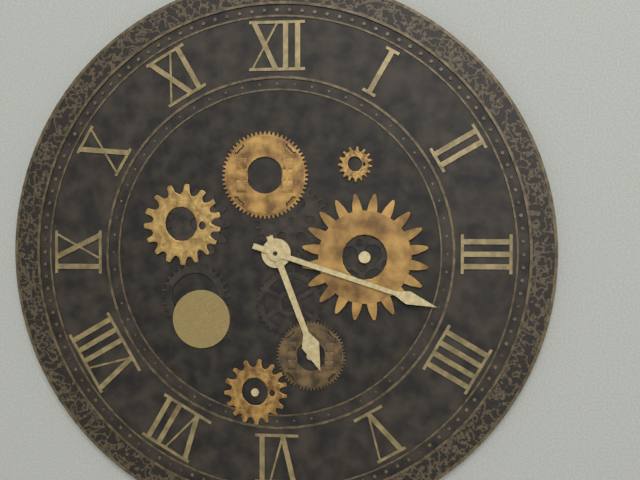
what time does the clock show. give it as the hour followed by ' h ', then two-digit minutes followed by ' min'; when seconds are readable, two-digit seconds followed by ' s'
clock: 5 h 18 min
